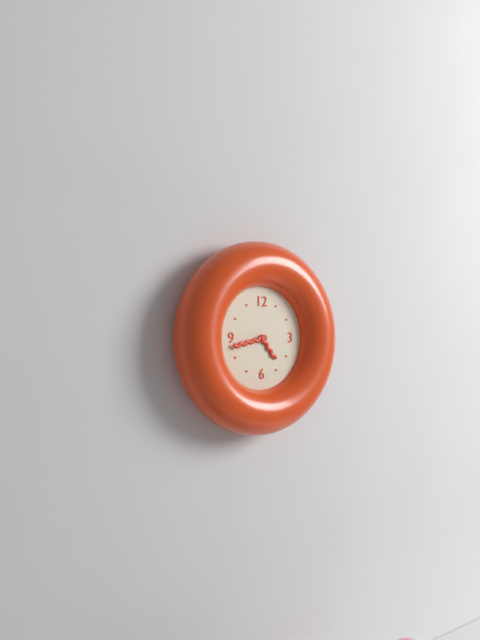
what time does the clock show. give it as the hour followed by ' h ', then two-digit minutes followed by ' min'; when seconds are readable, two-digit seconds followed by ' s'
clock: 4 h 43 min
